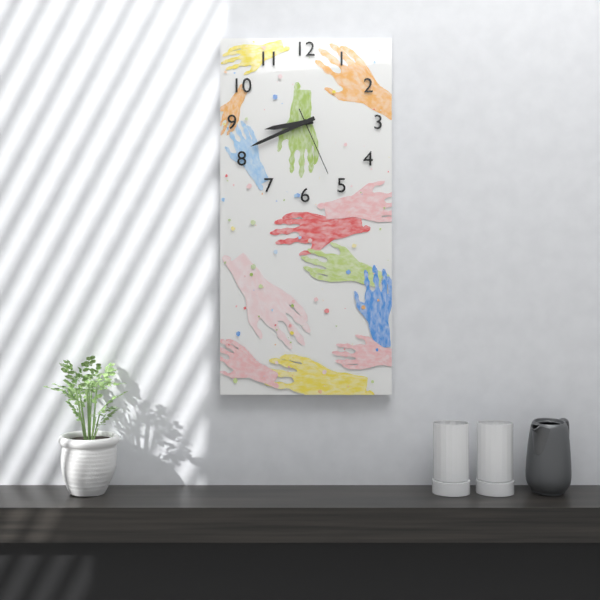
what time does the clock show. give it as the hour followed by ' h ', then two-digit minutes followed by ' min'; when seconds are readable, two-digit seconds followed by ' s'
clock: 8 h 41 min 26 s
